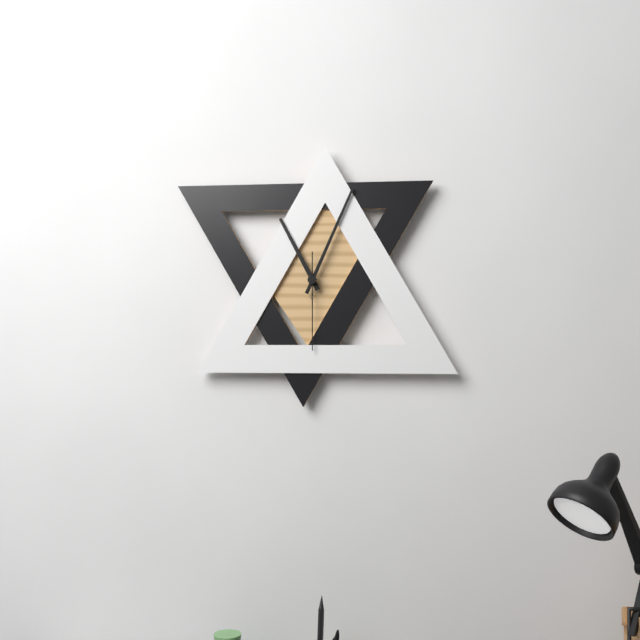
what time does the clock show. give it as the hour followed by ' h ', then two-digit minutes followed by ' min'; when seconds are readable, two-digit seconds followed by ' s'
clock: 11 h 04 min 30 s
